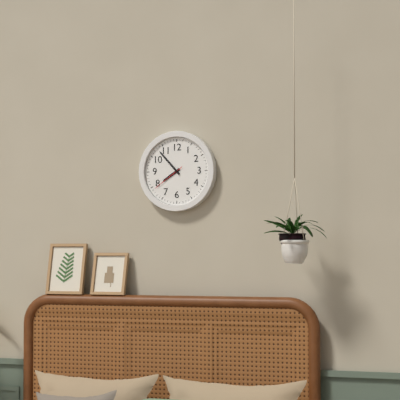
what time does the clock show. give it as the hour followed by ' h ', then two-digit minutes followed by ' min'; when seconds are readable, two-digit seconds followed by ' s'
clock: 7 h 53 min
